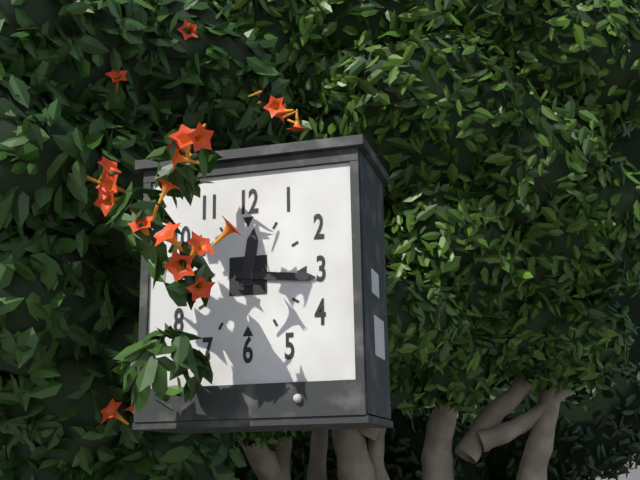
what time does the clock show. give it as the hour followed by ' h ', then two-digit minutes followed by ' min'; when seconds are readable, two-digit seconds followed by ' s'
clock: 12 h 16 min
